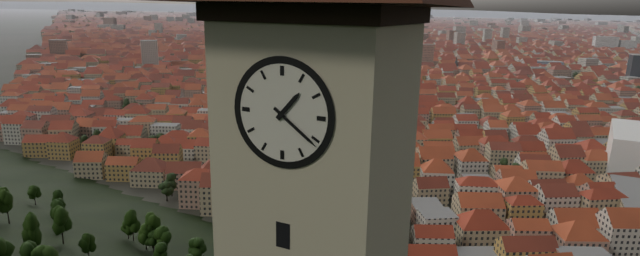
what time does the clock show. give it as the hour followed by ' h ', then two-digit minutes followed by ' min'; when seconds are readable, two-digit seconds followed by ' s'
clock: 1 h 21 min
